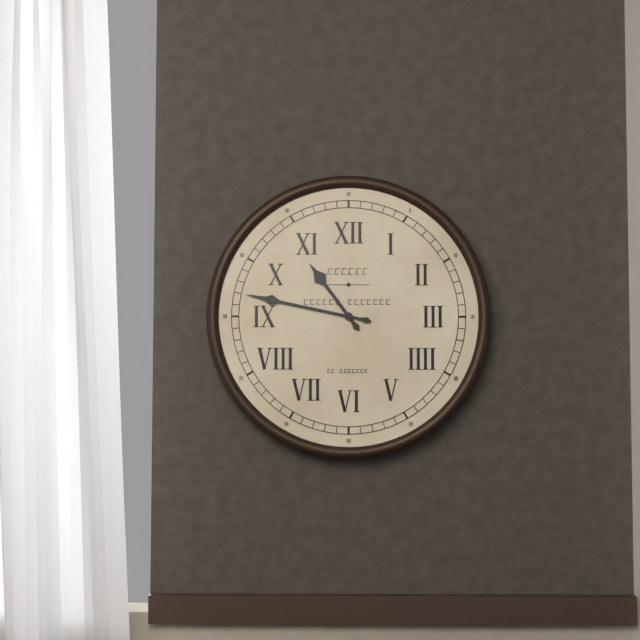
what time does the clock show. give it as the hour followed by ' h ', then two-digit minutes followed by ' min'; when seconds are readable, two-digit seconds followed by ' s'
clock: 10 h 47 min
